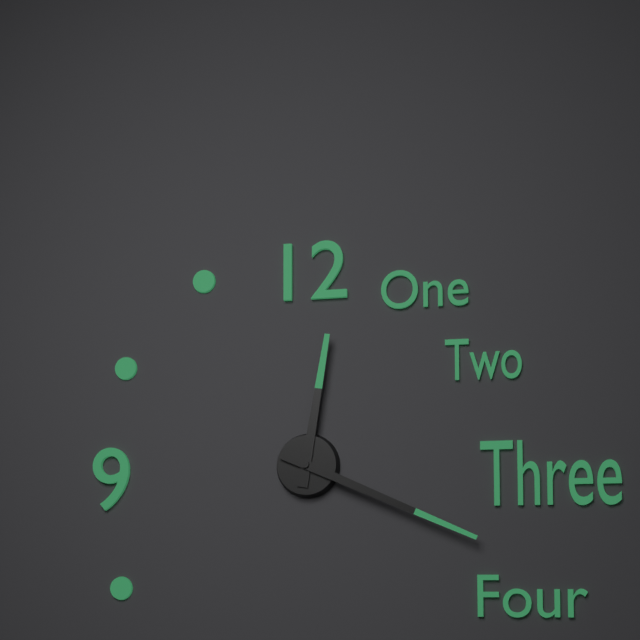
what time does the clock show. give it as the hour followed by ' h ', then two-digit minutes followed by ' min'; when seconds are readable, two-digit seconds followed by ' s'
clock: 12 h 19 min
